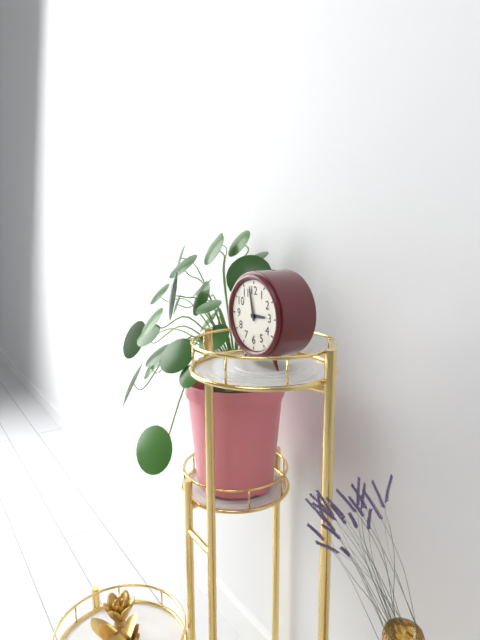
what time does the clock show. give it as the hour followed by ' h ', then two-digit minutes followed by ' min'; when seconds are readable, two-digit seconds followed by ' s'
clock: 2 h 58 min
